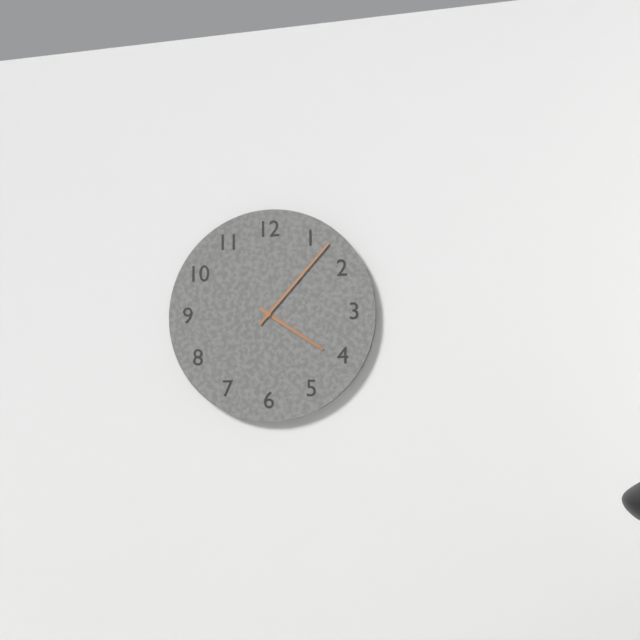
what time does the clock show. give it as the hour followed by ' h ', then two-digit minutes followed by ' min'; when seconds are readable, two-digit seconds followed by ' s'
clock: 4 h 07 min
